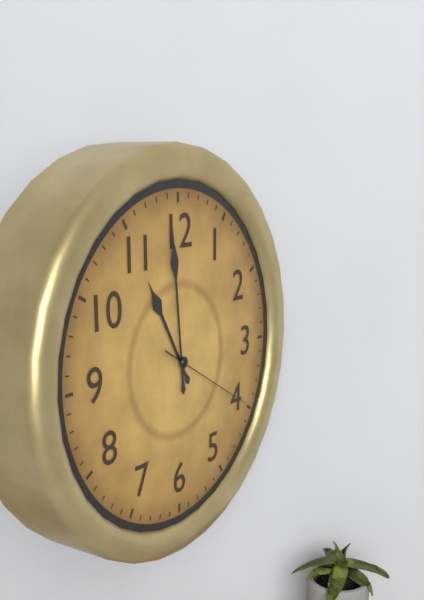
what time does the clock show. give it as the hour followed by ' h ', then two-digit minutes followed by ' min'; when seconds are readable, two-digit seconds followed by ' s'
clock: 10 h 59 min 20 s
